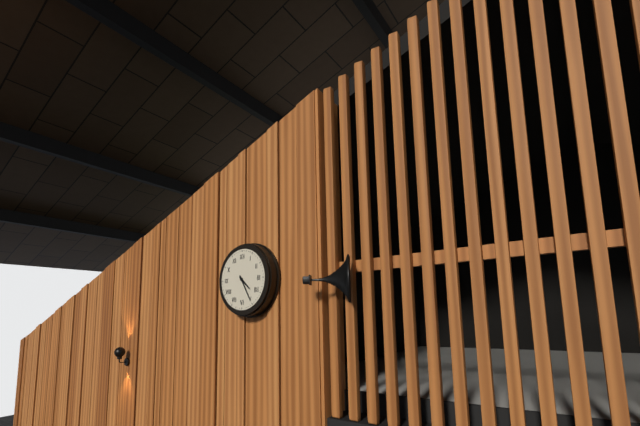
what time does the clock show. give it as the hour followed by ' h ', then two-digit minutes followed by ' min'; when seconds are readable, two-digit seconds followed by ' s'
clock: 4 h 25 min
